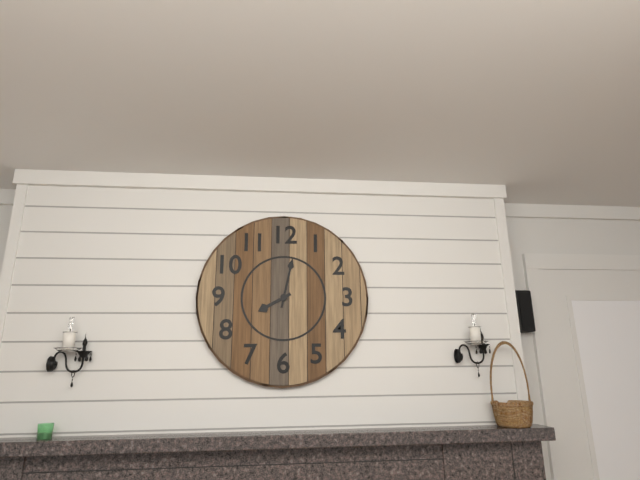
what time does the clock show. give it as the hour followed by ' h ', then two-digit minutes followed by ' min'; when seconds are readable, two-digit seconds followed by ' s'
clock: 8 h 02 min
